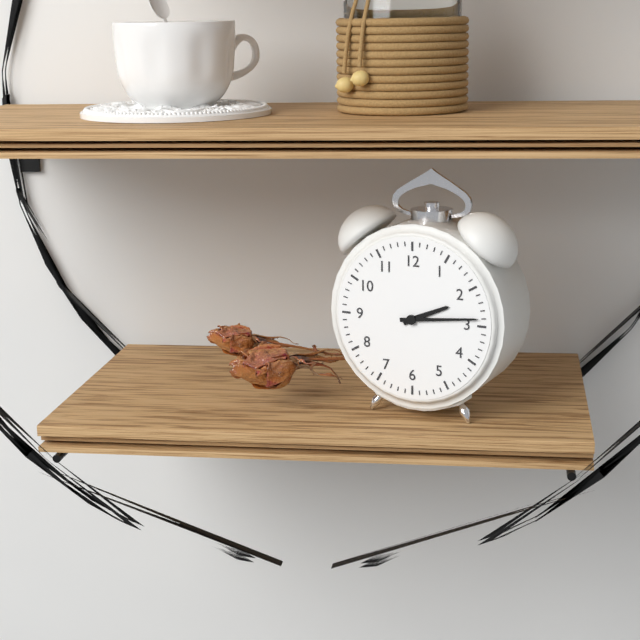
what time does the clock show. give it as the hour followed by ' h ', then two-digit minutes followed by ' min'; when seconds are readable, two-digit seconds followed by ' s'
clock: 2 h 14 min
